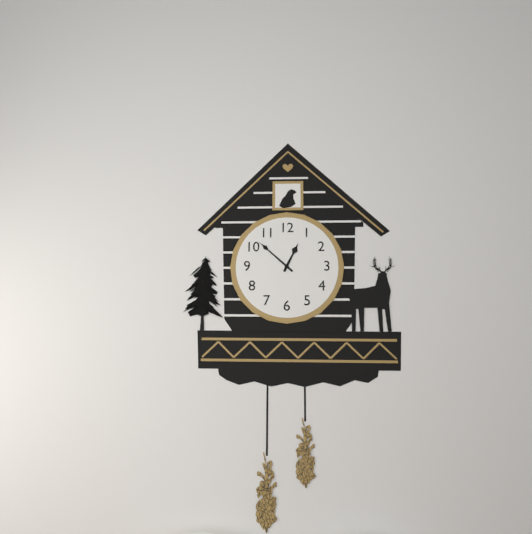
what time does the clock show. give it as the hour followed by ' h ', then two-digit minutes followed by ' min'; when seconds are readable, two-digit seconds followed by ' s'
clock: 12 h 52 min
